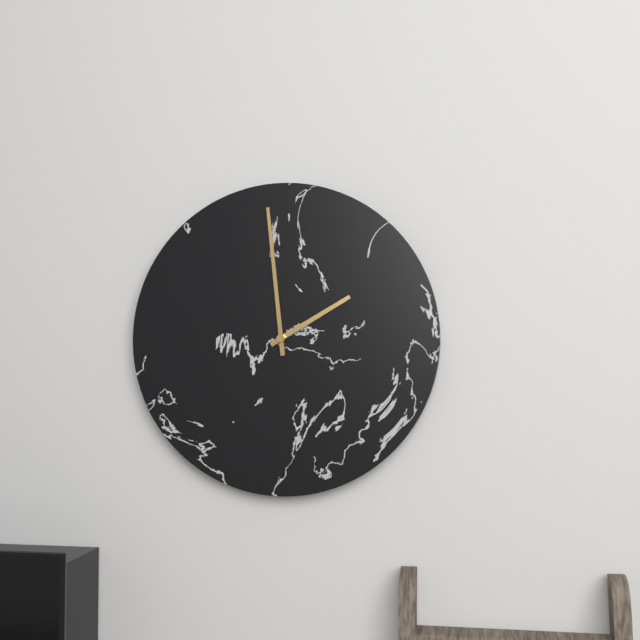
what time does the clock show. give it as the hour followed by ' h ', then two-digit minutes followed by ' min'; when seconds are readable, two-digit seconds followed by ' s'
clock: 1 h 59 min
